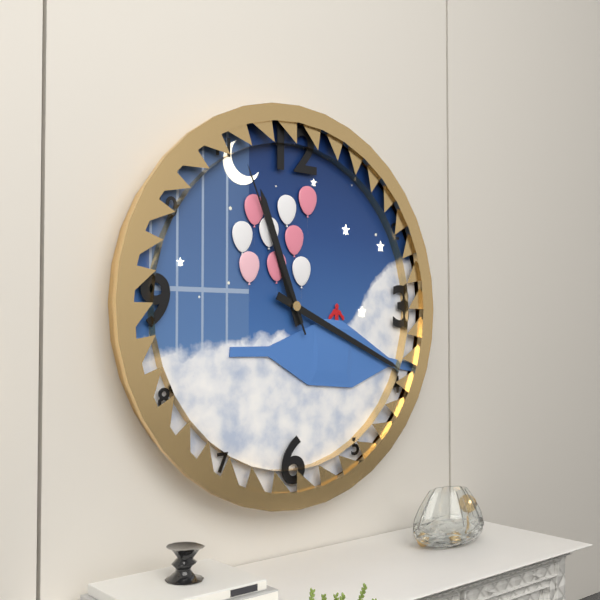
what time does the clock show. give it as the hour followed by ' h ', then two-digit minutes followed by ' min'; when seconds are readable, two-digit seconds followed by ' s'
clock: 11 h 19 min 56 s
